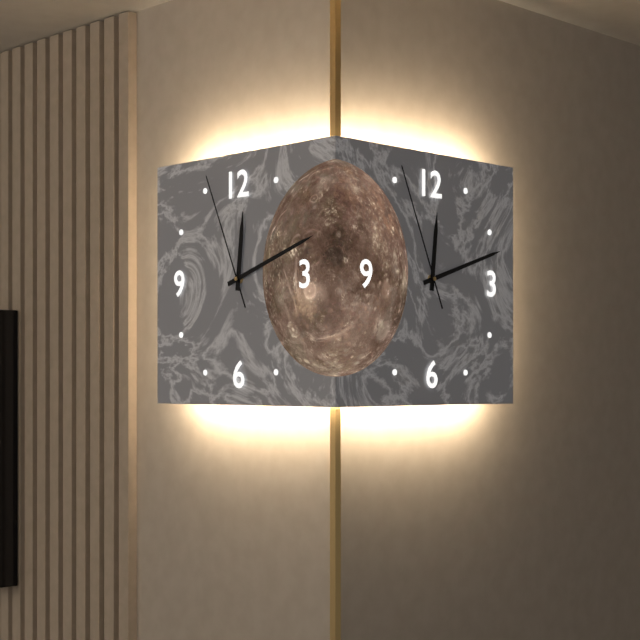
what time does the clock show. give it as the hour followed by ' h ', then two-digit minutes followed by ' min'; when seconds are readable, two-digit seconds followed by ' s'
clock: 12 h 12 min 56 s
